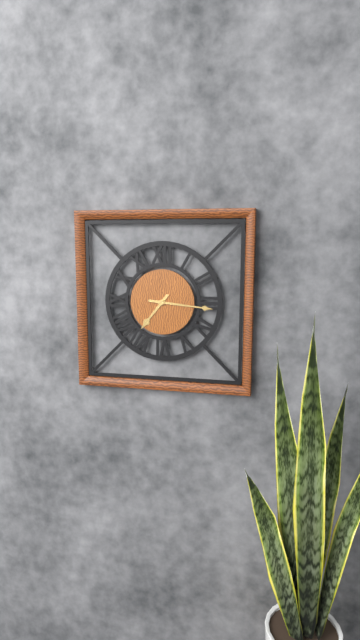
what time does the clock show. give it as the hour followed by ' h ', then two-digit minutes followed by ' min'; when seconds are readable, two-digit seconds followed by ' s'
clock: 7 h 16 min
